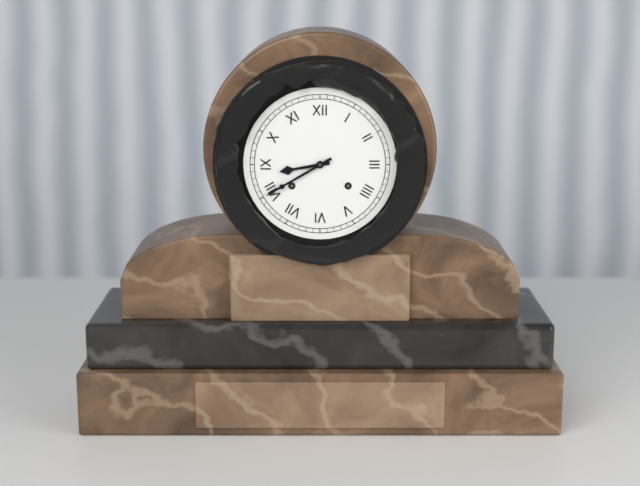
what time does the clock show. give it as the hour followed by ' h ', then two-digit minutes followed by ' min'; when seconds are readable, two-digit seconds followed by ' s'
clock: 8 h 40 min
